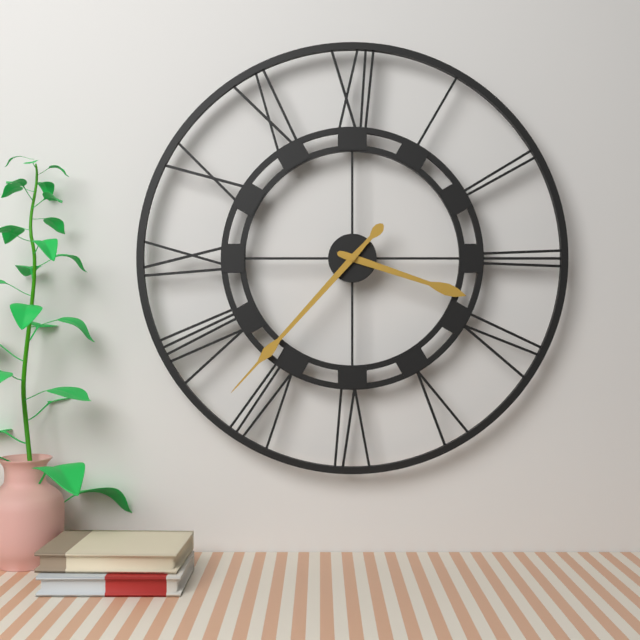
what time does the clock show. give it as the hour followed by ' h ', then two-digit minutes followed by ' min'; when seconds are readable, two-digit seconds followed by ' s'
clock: 3 h 37 min
